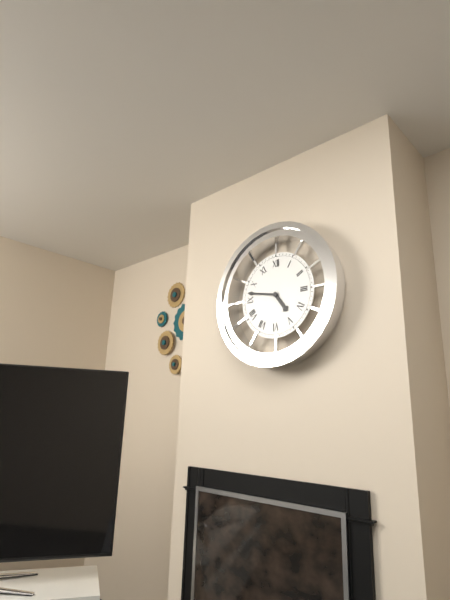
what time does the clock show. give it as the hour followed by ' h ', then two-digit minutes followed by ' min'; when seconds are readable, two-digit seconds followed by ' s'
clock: 4 h 47 min
